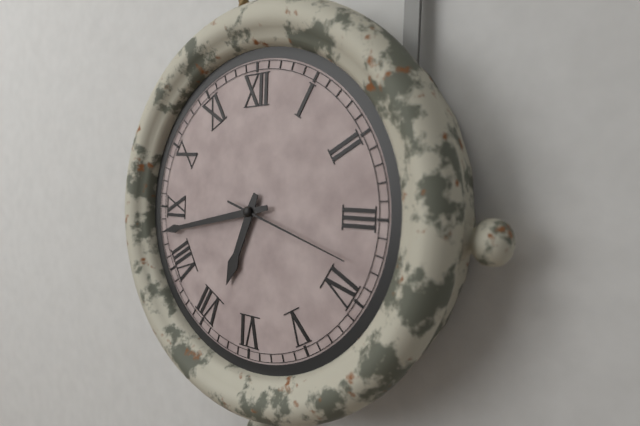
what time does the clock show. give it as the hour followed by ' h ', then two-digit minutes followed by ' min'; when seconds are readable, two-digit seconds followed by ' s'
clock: 6 h 43 min 18 s
